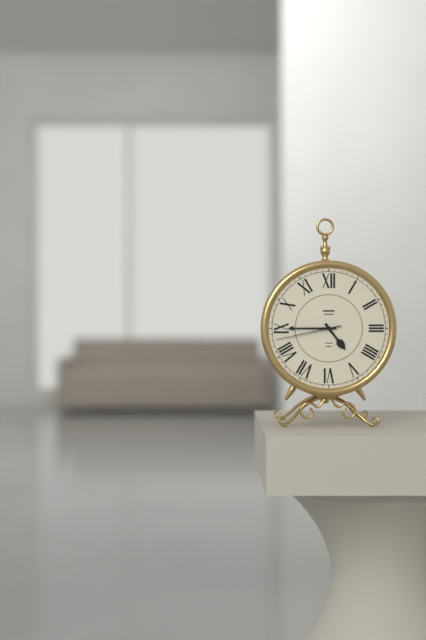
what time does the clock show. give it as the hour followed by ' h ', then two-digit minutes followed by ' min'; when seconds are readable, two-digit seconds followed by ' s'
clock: 4 h 45 min 43 s
